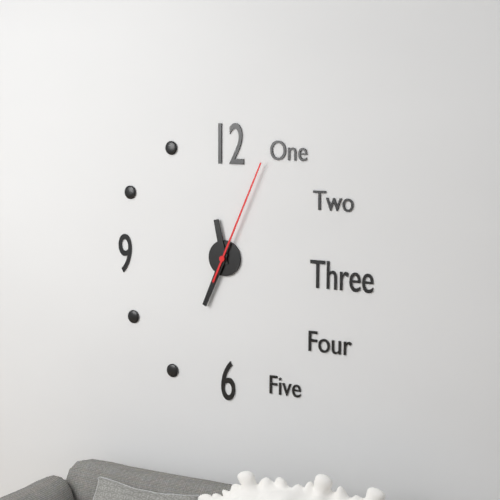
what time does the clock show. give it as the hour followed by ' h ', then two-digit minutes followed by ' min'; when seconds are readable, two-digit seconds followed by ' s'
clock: 11 h 34 min 04 s
